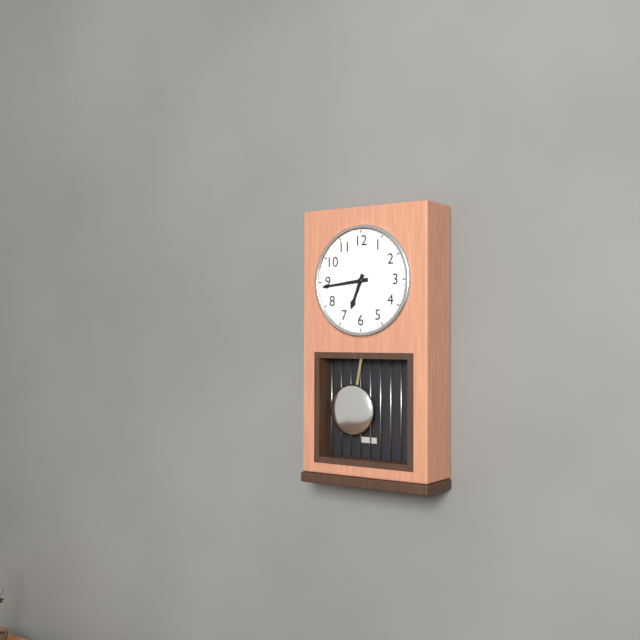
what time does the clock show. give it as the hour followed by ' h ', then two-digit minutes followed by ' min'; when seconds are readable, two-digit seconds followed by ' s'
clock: 6 h 44 min
